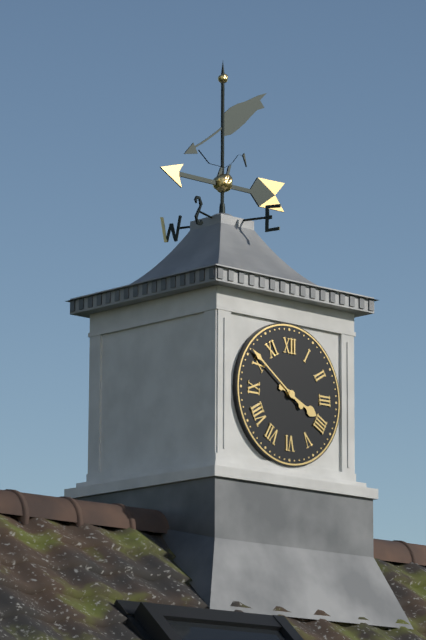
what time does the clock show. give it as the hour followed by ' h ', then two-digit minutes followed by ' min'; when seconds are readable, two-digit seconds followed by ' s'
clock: 3 h 51 min
